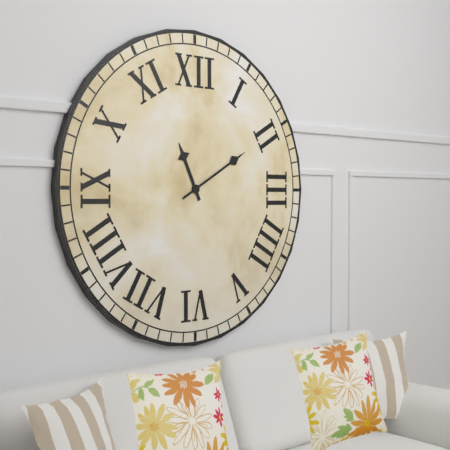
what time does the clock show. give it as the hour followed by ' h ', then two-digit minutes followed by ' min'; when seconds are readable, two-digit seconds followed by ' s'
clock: 11 h 10 min
